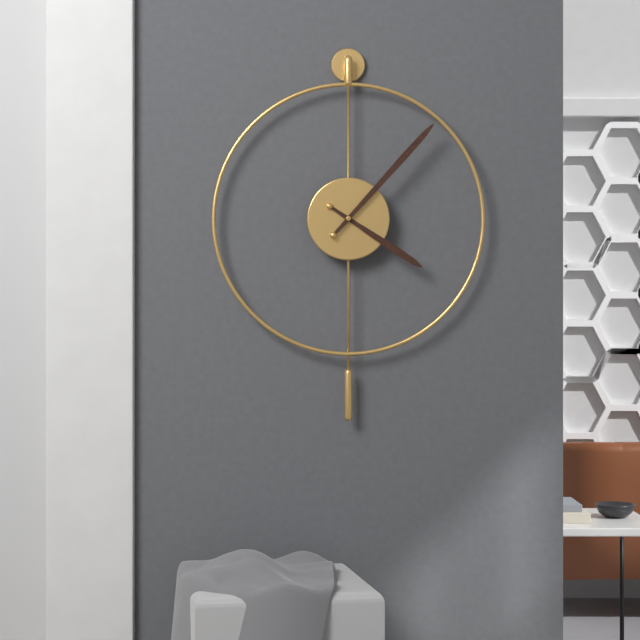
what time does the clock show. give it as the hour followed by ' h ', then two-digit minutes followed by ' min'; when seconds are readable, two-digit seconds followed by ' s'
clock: 4 h 07 min
